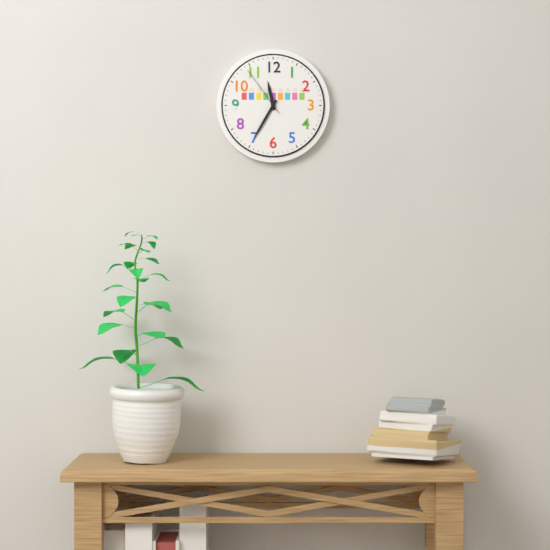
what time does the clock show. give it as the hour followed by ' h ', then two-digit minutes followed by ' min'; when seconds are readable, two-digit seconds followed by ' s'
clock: 11 h 35 min 54 s
